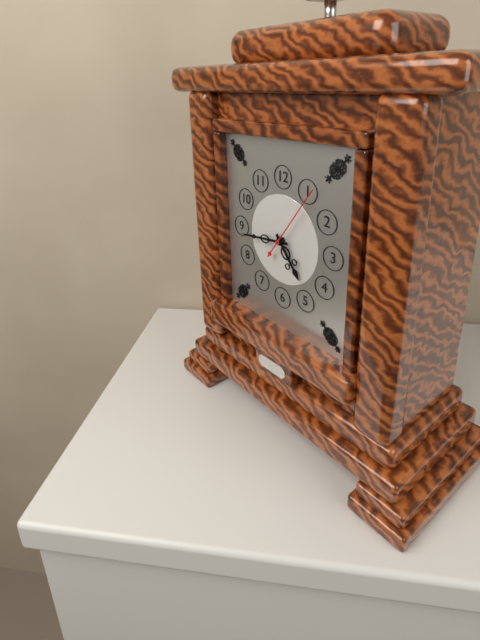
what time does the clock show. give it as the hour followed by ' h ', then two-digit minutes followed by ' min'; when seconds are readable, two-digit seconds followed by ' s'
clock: 4 h 44 min 06 s
